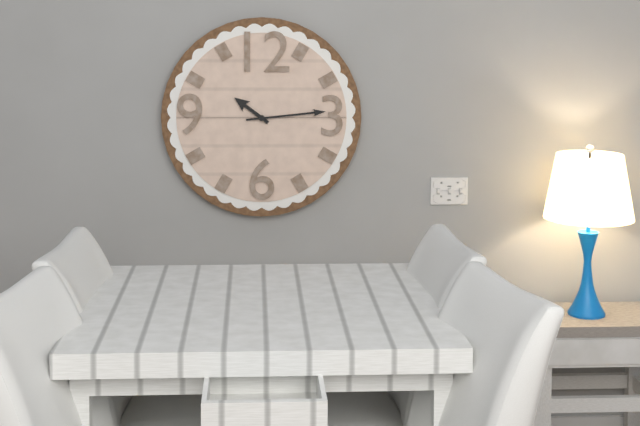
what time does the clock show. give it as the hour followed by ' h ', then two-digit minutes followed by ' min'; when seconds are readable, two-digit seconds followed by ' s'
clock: 10 h 14 min
